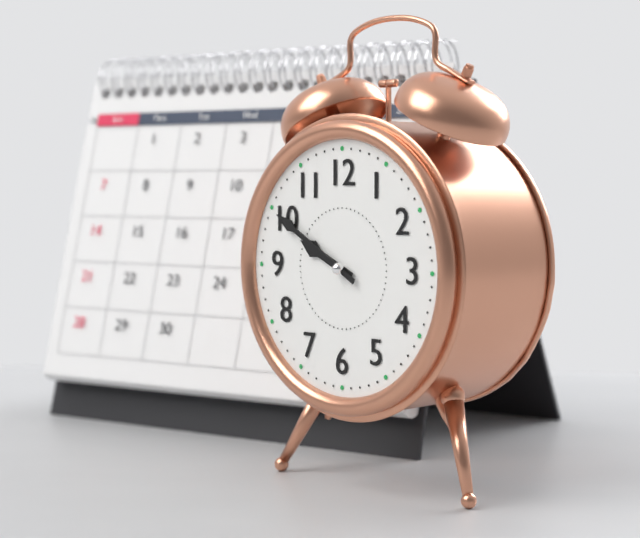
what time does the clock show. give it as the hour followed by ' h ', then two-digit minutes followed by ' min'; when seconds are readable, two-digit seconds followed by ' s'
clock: 9 h 50 min
